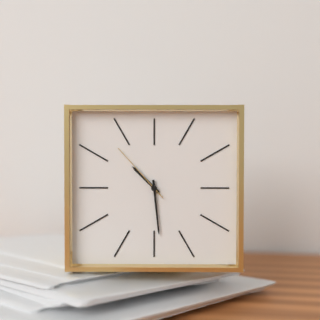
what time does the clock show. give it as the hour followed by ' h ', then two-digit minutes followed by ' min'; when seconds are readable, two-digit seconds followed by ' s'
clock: 10 h 29 min 53 s
